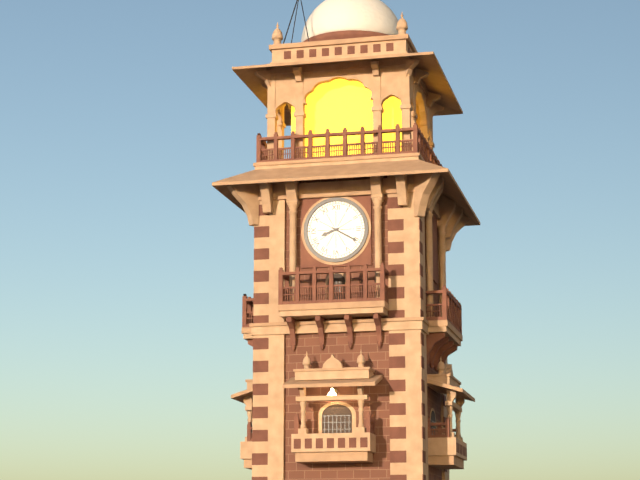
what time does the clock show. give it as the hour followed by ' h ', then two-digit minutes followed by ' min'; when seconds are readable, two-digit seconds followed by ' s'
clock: 8 h 20 min
